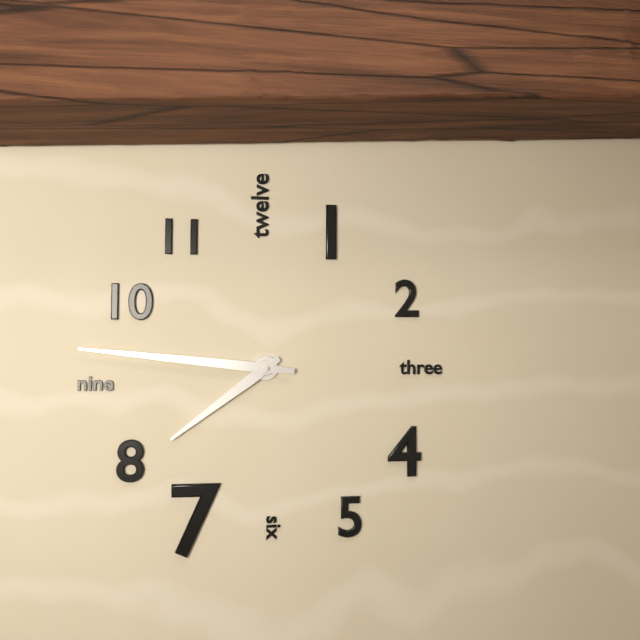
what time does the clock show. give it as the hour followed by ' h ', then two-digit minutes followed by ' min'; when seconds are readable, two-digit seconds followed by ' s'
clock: 7 h 46 min
